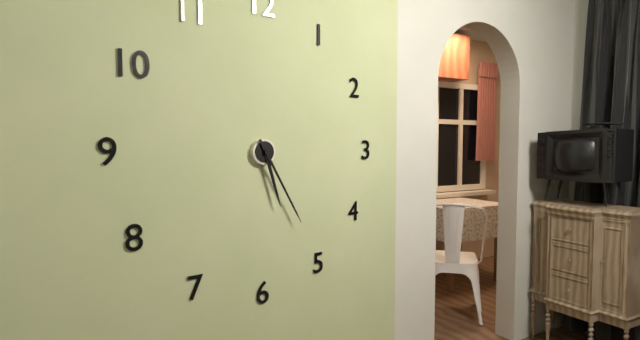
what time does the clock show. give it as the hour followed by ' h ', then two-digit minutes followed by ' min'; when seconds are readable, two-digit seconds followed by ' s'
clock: 5 h 25 min
